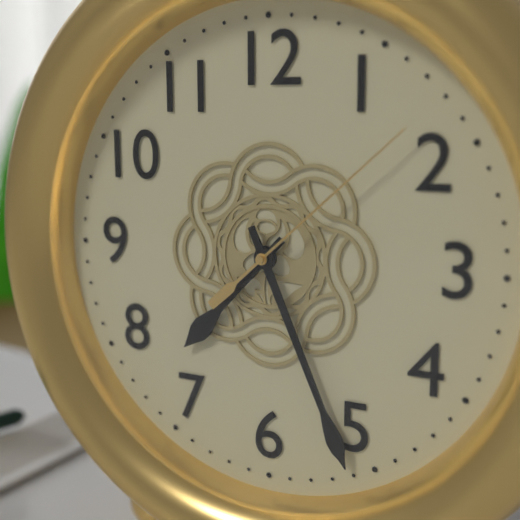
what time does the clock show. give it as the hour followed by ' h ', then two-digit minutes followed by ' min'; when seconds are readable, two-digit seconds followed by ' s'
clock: 7 h 26 min 08 s
